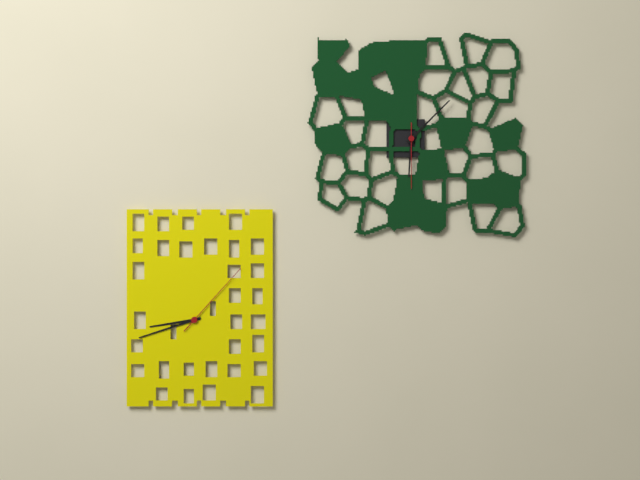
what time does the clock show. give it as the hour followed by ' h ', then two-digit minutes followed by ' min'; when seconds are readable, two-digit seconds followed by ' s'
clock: 8 h 42 min 07 s
